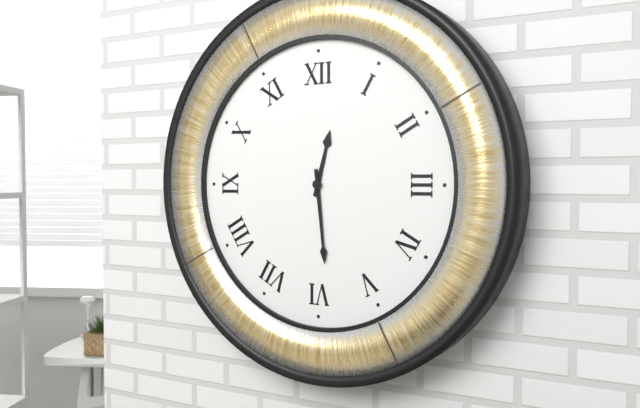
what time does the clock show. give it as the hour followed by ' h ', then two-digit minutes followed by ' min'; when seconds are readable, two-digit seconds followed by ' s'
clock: 12 h 29 min
